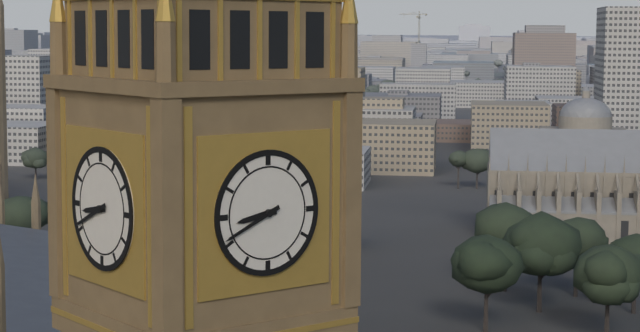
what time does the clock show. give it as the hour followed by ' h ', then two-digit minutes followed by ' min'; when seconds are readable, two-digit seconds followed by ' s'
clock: 8 h 41 min
